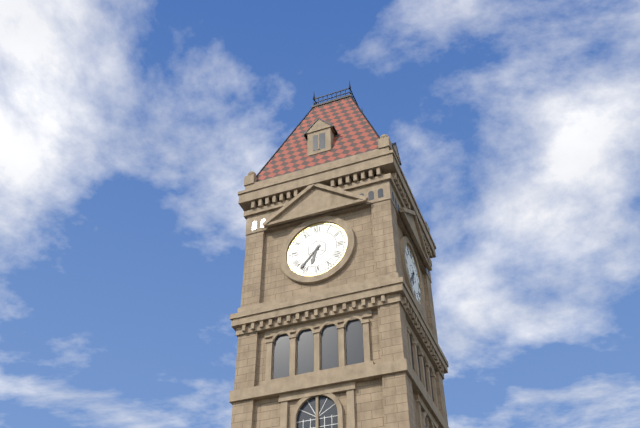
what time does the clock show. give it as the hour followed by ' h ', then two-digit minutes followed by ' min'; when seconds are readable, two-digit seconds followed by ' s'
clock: 6 h 37 min
